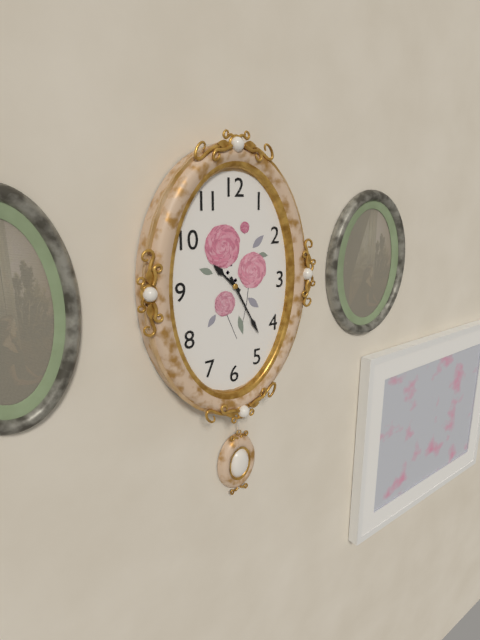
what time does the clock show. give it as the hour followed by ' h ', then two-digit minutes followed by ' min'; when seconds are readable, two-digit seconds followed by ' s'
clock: 10 h 25 min
